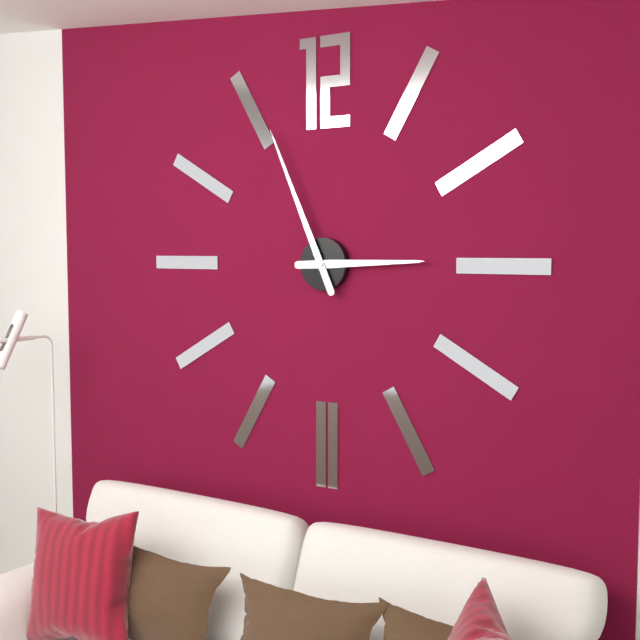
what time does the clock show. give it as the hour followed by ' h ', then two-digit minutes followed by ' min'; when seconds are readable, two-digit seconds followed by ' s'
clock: 2 h 56 min
